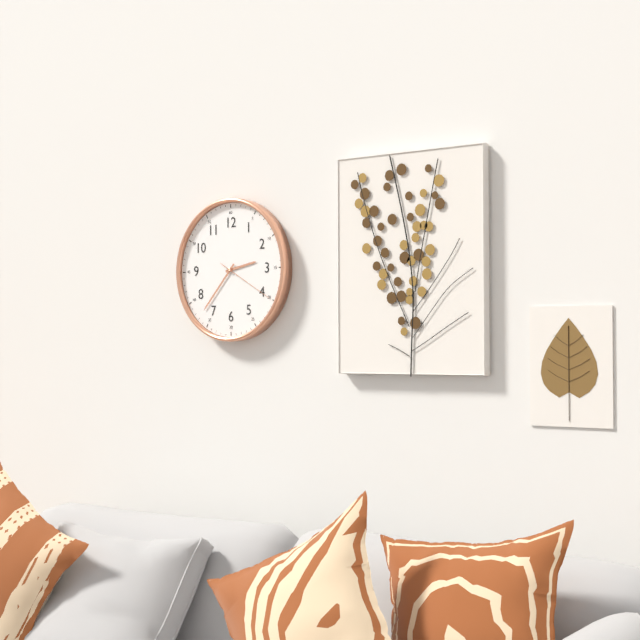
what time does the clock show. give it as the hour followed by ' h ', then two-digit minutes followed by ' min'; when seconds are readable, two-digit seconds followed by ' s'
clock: 2 h 37 min 20 s
